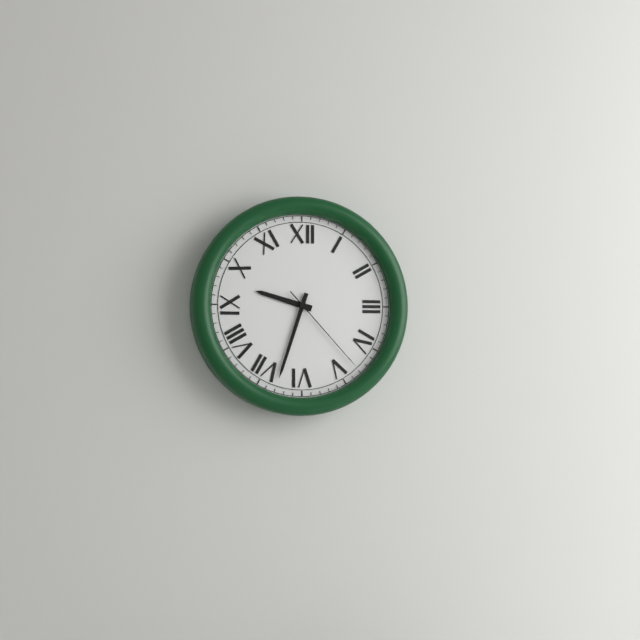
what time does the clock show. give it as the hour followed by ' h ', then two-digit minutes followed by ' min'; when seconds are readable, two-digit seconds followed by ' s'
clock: 9 h 33 min 23 s
